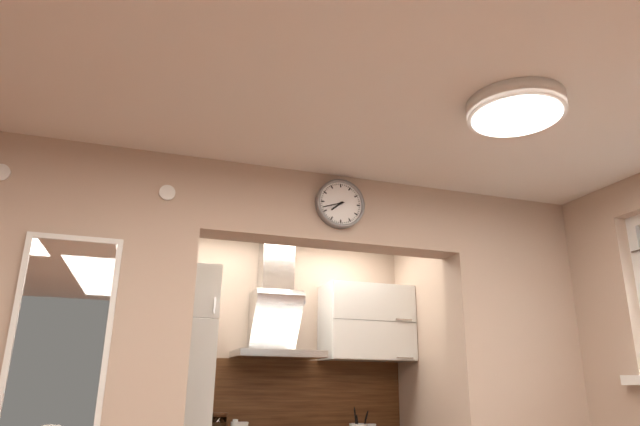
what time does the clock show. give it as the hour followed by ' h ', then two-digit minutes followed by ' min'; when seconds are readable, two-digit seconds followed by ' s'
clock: 7 h 42 min
